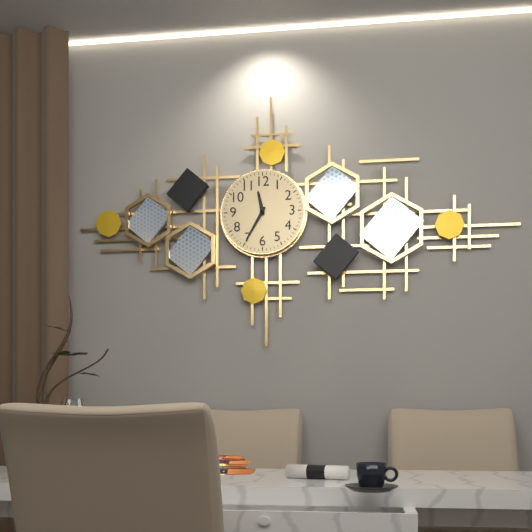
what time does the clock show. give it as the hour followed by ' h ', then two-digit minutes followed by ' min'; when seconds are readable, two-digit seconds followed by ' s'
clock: 11 h 35 min
